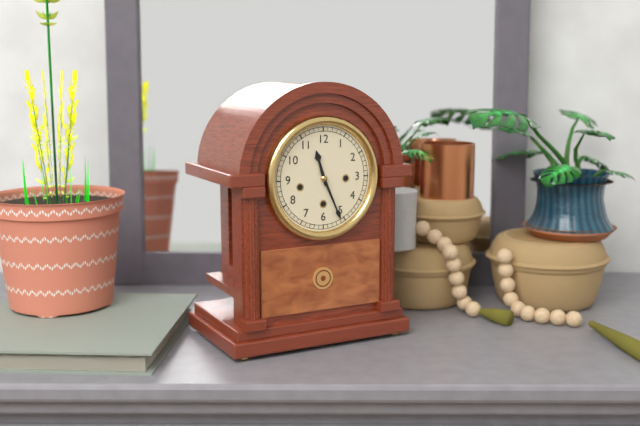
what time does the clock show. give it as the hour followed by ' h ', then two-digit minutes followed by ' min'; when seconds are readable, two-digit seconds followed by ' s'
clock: 11 h 26 min
